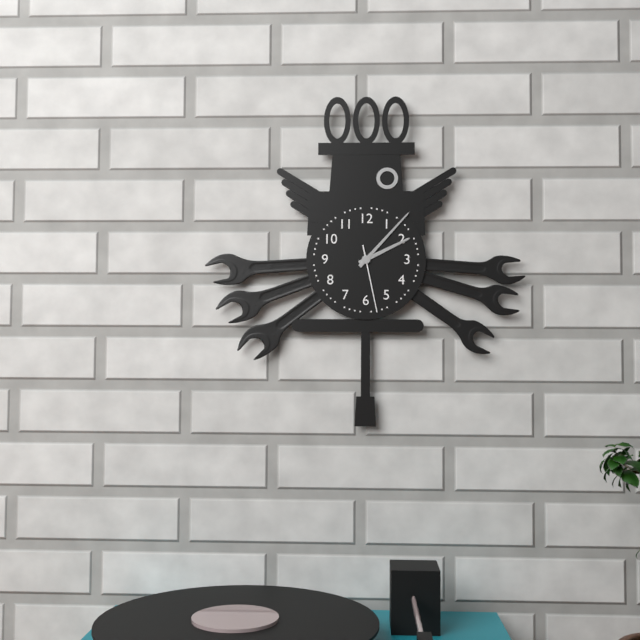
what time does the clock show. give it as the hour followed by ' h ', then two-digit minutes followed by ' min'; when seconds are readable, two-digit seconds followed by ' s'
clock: 2 h 07 min 28 s
